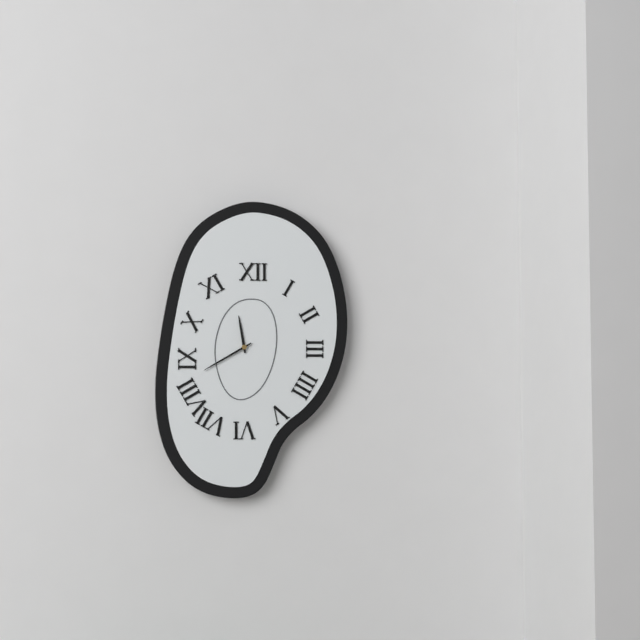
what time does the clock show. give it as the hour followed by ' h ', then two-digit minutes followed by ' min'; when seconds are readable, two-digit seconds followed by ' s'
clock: 11 h 40 min
